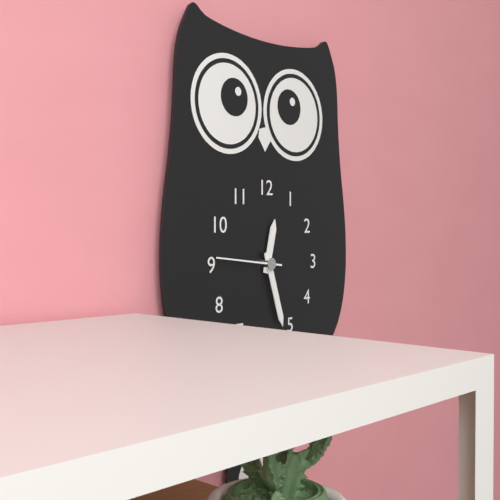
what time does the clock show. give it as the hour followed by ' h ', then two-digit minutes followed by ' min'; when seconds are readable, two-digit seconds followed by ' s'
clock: 12 h 27 min
